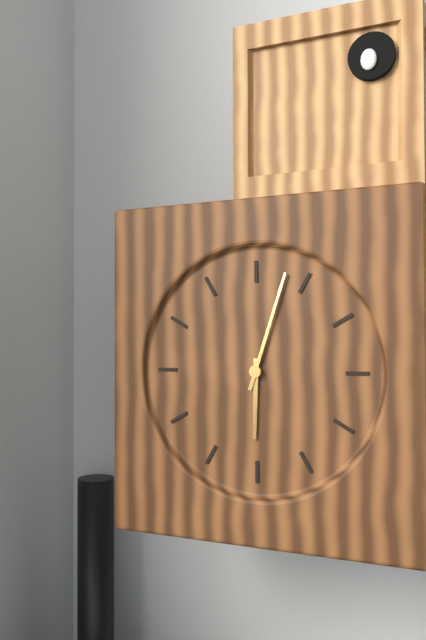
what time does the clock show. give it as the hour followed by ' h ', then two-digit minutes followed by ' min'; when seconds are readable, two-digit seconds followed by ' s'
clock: 6 h 03 min
